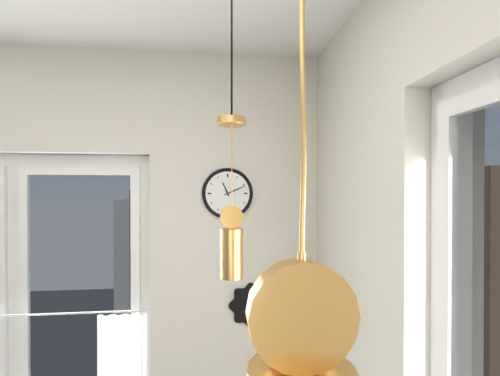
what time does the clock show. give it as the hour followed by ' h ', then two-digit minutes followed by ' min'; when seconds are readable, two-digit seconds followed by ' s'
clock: 11 h 11 min
